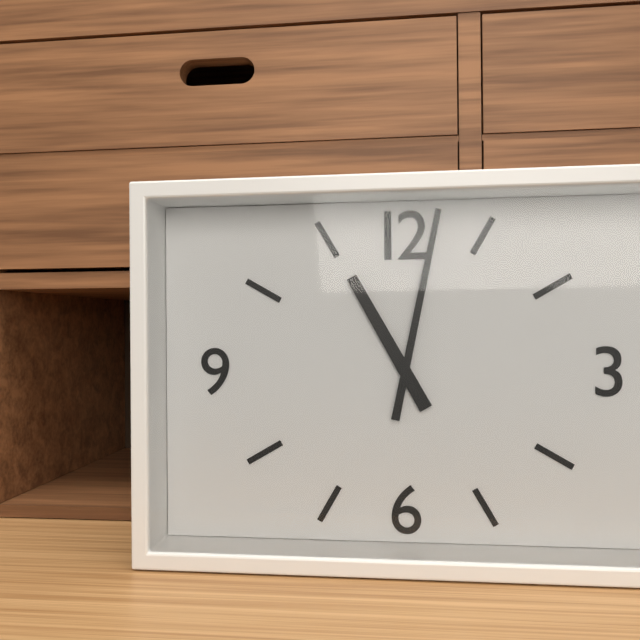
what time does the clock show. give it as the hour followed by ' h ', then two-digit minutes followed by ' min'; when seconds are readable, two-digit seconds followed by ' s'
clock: 11 h 02 min
